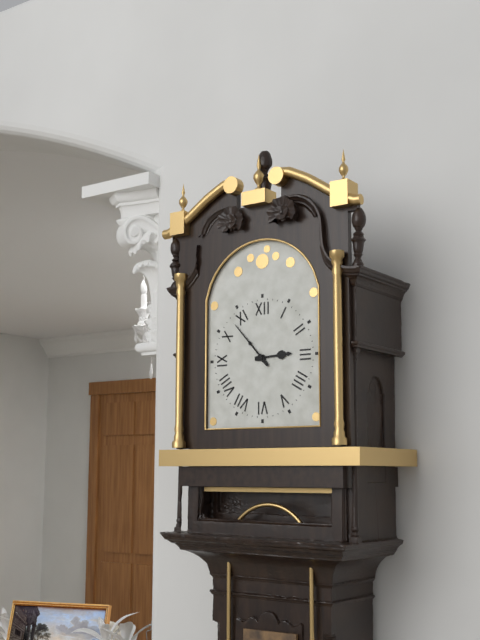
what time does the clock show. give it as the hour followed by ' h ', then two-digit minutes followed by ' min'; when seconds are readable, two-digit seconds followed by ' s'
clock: 2 h 53 min
